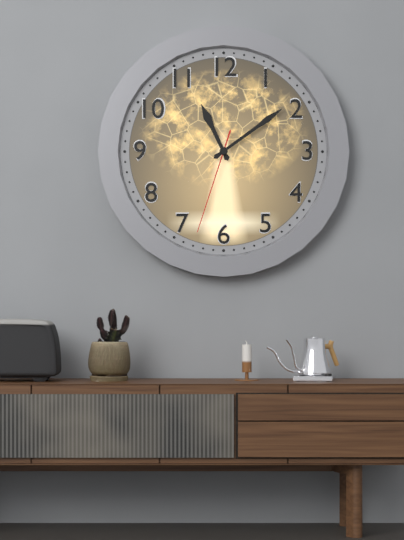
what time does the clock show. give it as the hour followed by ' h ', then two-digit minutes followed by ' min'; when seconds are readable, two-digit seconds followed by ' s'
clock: 11 h 09 min 33 s
